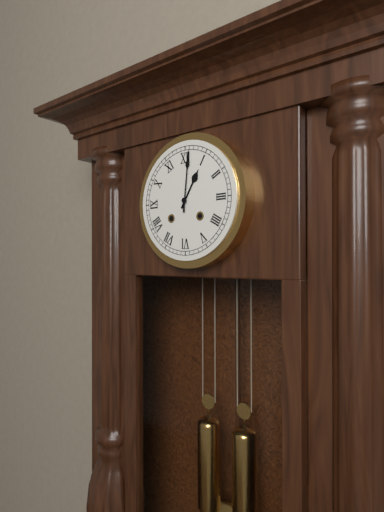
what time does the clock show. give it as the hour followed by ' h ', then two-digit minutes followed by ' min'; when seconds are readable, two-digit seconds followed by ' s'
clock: 1 h 01 min
